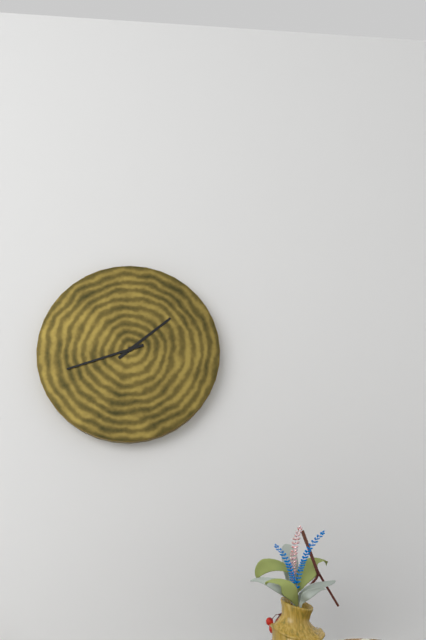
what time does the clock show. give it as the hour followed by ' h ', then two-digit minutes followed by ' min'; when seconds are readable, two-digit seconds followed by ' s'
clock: 1 h 42 min
